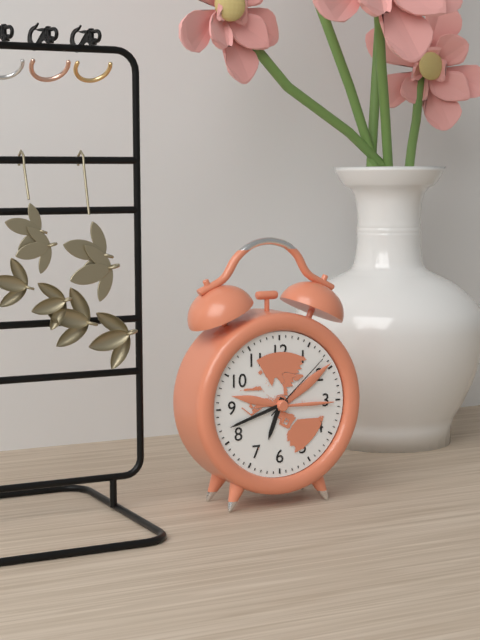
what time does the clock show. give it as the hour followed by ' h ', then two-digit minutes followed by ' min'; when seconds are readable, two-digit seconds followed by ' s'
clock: 6 h 42 min 08 s
